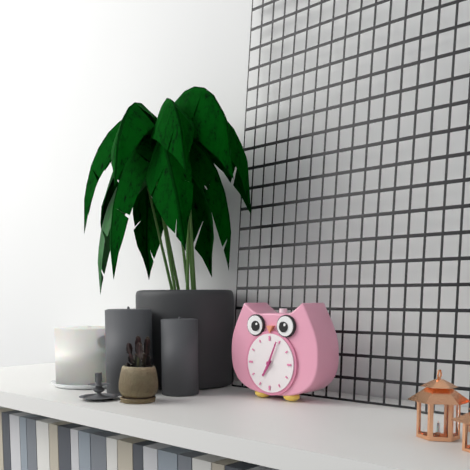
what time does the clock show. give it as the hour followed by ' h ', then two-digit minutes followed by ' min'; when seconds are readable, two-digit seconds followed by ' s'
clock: 7 h 04 min
